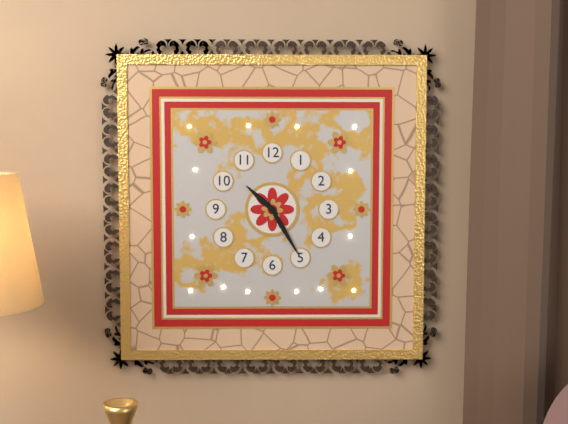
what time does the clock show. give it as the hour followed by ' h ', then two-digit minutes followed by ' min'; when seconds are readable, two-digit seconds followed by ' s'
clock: 10 h 25 min
